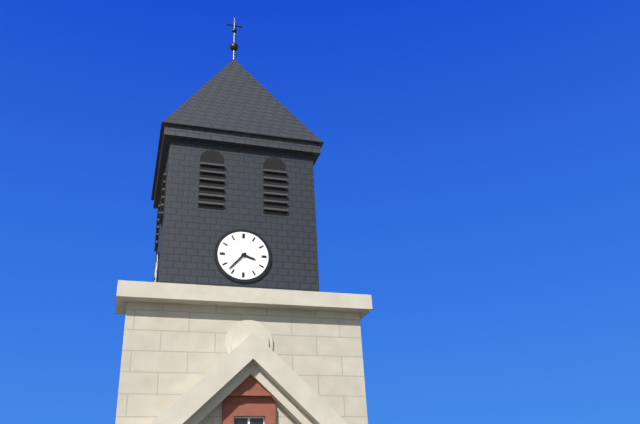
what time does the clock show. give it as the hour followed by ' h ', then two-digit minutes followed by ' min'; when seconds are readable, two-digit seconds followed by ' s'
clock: 3 h 37 min
